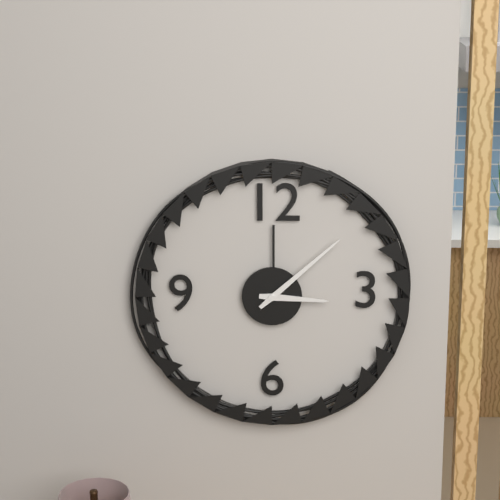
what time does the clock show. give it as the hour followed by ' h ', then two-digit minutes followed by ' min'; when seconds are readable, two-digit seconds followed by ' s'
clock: 3 h 08 min
